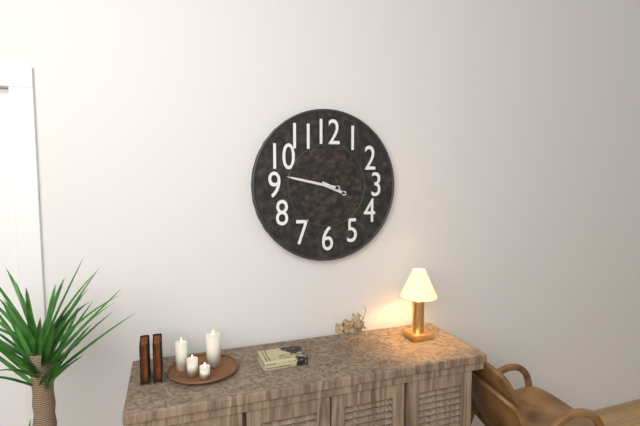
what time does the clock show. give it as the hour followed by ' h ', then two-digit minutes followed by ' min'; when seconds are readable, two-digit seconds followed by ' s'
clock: 3 h 47 min
